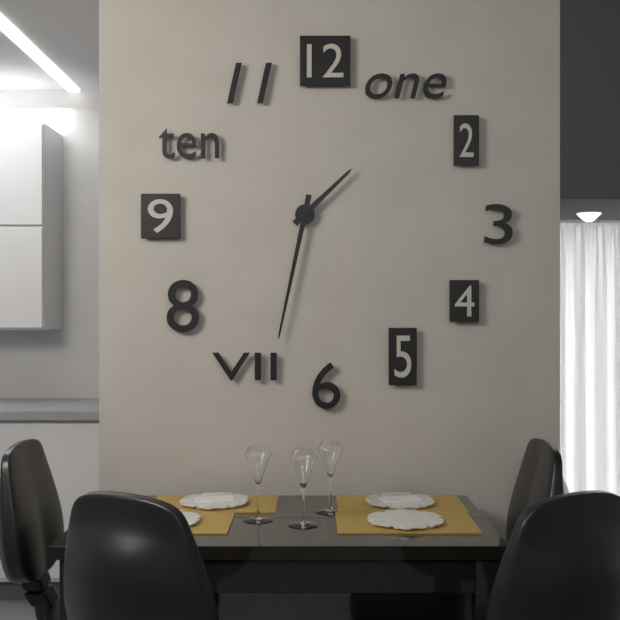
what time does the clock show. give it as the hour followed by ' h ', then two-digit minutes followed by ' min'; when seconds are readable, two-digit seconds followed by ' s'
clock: 1 h 32 min
